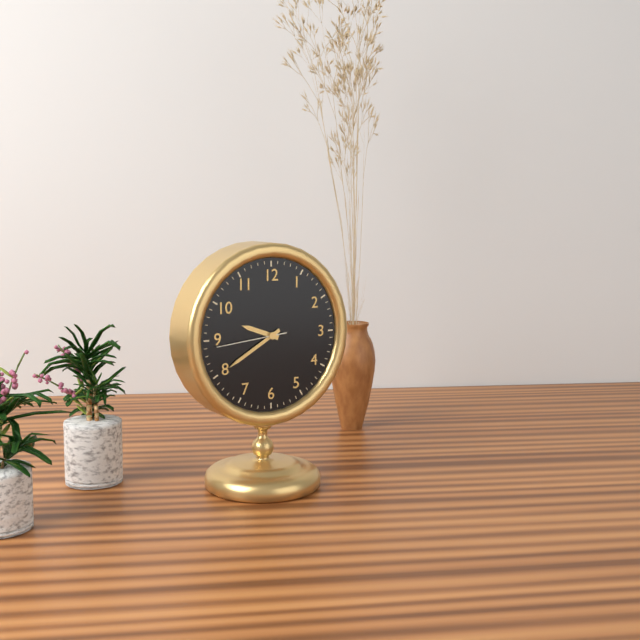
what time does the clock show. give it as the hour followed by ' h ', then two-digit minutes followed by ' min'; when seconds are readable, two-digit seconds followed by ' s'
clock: 9 h 40 min 44 s
